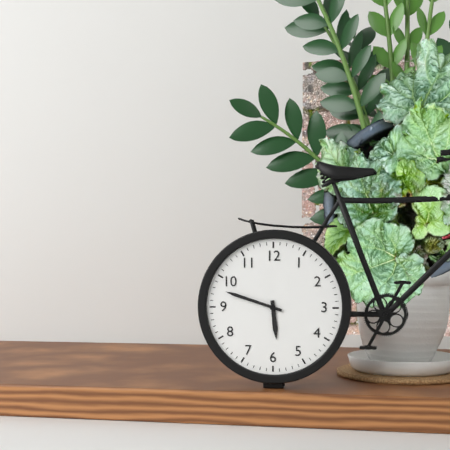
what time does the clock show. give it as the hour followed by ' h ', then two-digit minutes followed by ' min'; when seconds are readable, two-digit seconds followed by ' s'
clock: 5 h 48 min
